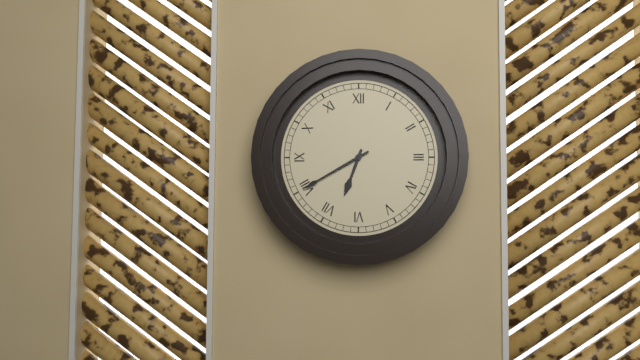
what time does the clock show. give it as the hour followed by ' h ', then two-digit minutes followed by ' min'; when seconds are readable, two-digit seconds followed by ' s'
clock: 6 h 40 min
